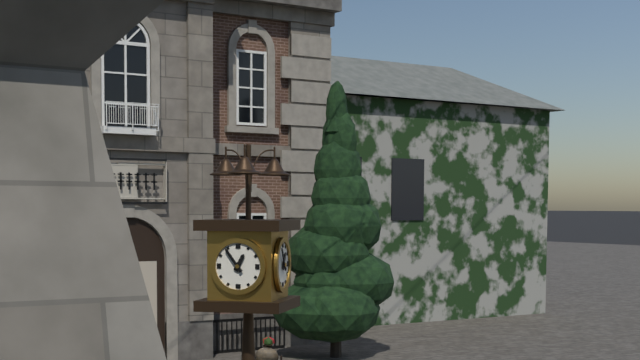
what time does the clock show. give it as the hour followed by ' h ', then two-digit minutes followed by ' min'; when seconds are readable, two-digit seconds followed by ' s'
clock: 12 h 54 min
